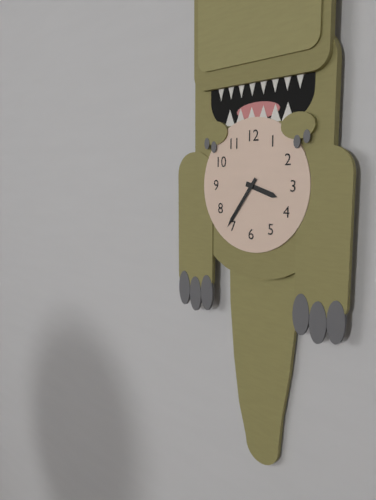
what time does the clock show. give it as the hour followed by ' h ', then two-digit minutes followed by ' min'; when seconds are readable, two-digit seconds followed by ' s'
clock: 3 h 36 min
